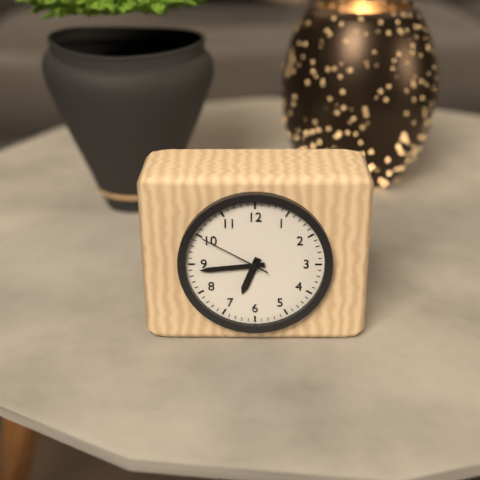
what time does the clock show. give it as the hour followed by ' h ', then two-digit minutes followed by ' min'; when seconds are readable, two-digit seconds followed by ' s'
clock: 6 h 44 min 50 s
